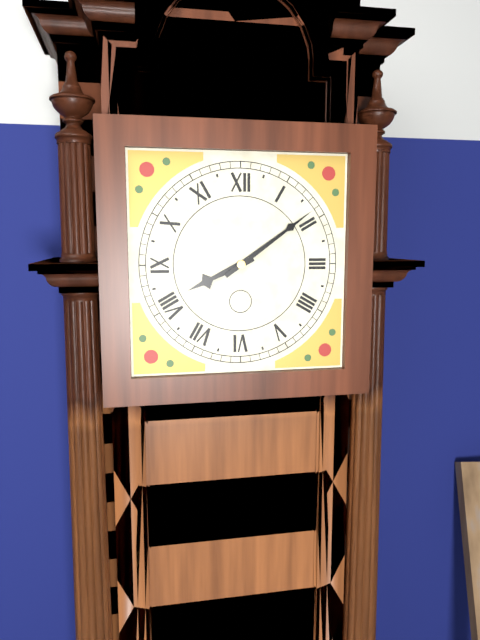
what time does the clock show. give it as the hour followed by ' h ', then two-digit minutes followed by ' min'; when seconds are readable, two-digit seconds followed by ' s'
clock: 8 h 09 min
